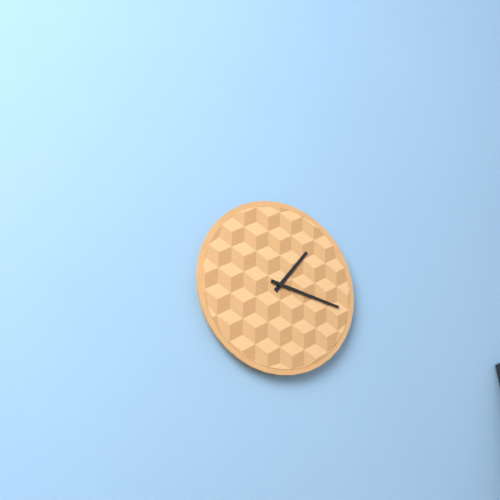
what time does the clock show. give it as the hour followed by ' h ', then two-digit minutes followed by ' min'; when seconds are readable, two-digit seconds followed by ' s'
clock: 1 h 17 min
